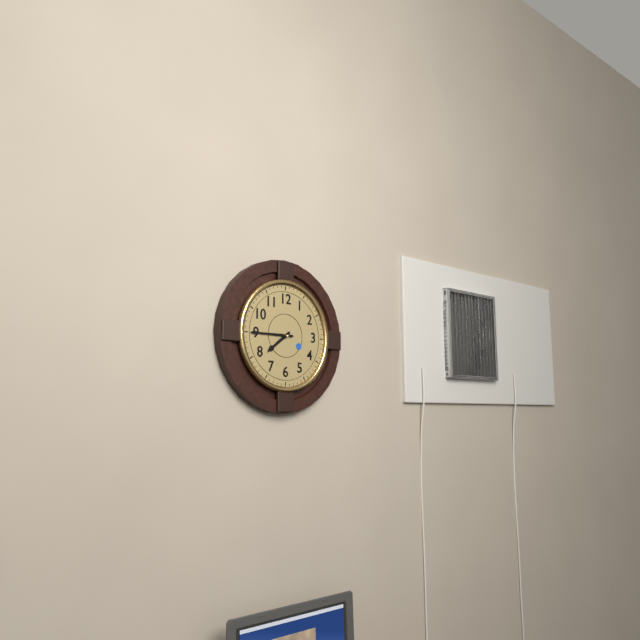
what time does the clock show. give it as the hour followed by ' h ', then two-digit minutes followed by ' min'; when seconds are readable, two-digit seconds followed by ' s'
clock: 7 h 45 min
